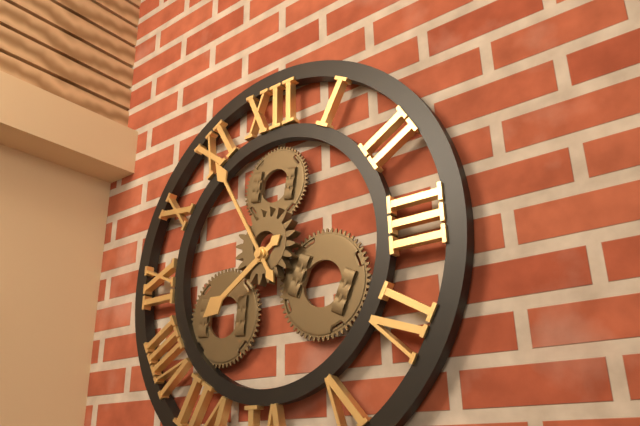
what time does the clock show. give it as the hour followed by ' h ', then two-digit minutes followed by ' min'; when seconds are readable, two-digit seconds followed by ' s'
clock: 7 h 55 min
